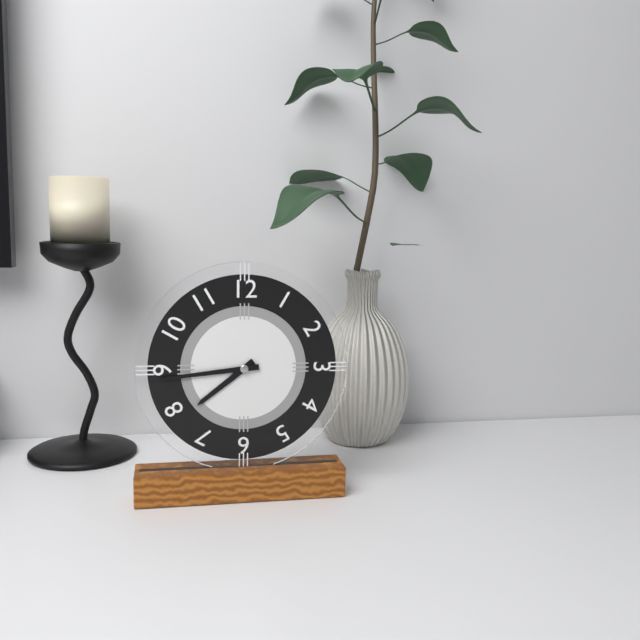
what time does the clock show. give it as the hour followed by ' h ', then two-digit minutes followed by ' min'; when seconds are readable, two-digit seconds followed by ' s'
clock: 7 h 44 min
